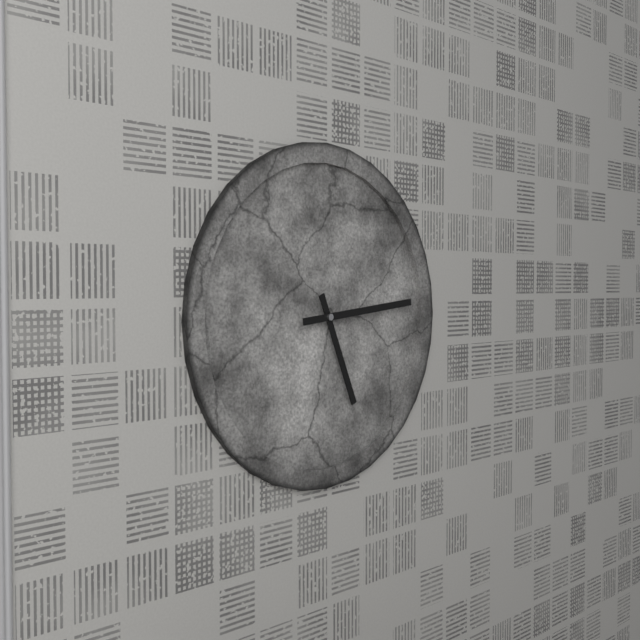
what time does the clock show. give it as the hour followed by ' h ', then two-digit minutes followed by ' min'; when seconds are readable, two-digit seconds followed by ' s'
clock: 5 h 14 min
